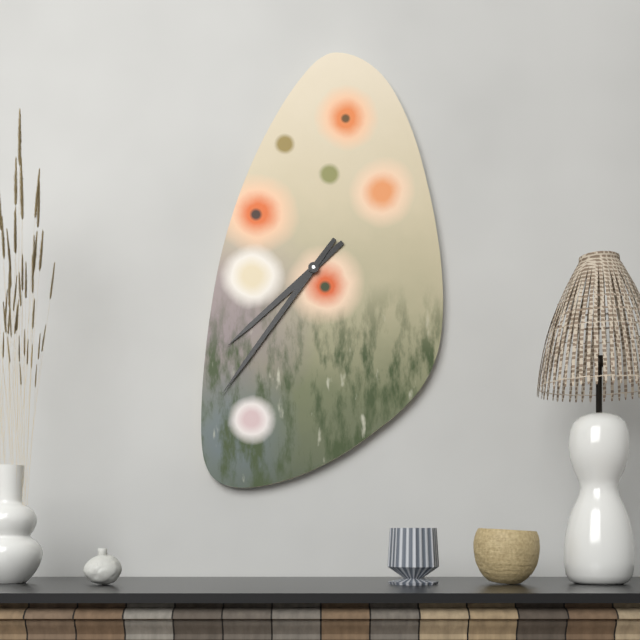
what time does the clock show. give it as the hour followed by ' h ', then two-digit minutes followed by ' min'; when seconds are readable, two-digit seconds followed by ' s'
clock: 7 h 36 min
